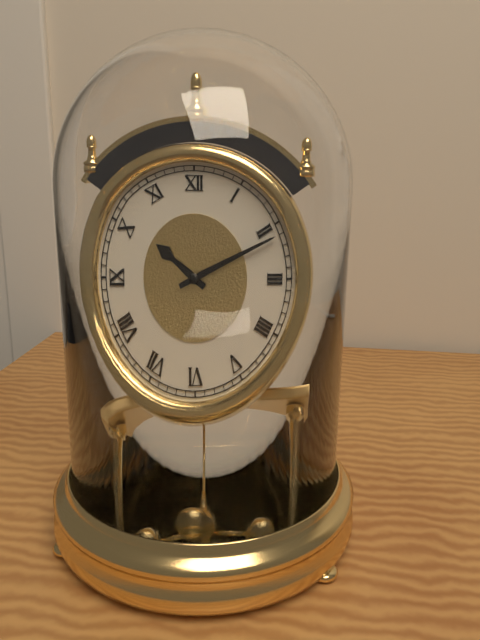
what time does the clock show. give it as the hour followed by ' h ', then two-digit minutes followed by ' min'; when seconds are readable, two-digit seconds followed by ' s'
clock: 10 h 11 min
